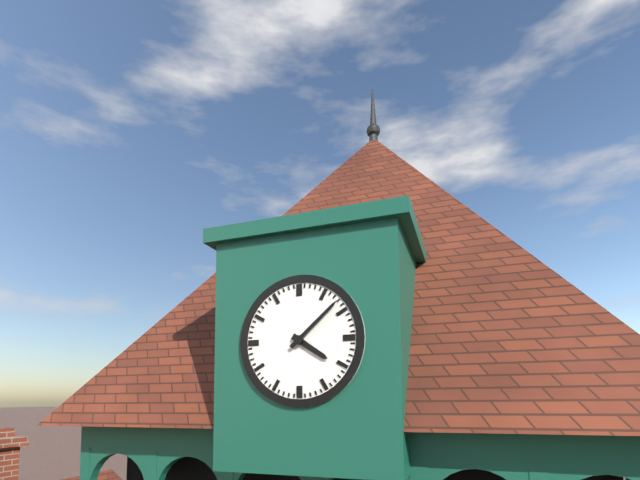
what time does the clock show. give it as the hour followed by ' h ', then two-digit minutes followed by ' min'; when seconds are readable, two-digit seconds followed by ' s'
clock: 4 h 08 min
